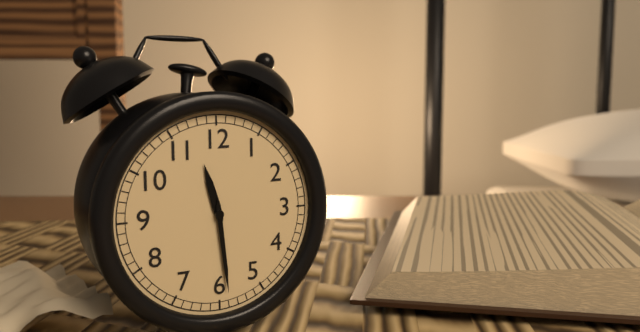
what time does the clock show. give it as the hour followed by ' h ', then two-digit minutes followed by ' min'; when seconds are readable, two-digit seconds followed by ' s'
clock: 11 h 29 min
